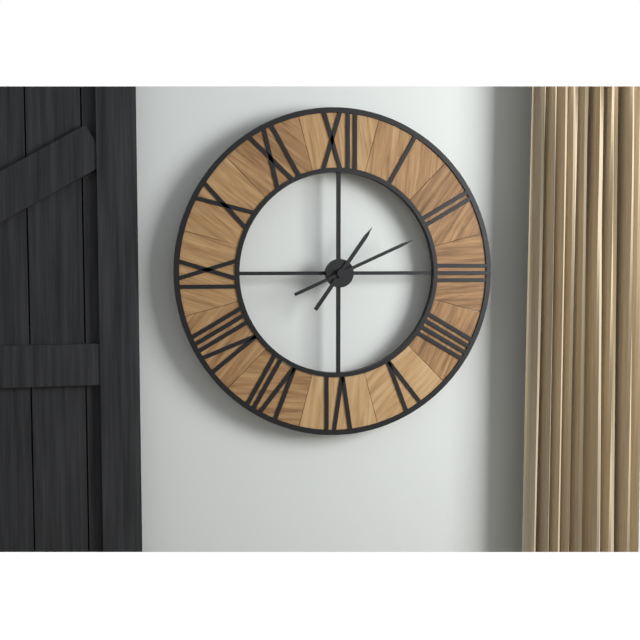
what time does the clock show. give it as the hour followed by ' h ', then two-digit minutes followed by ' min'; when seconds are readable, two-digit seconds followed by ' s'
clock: 1 h 11 min
